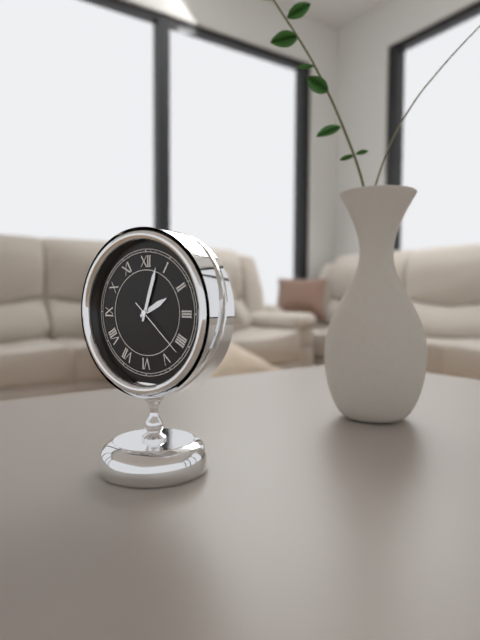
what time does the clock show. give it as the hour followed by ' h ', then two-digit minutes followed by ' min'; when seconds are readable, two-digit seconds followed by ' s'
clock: 2 h 03 min 22 s
